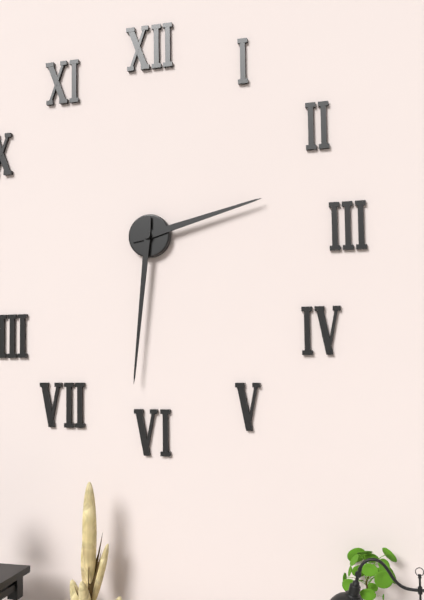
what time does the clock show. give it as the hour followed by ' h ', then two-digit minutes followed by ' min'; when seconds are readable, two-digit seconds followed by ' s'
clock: 2 h 31 min
